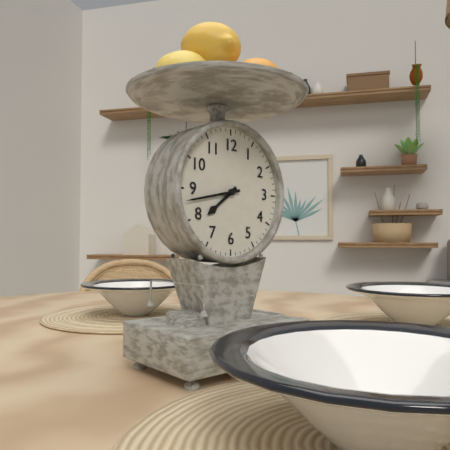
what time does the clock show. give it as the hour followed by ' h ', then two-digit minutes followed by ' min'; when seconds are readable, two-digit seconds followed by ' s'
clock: 7 h 43 min
